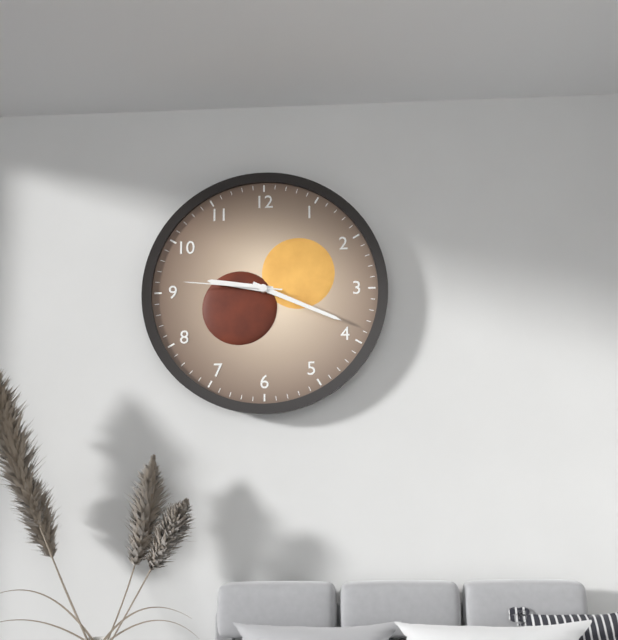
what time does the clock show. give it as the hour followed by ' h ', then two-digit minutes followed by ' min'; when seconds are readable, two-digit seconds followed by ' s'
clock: 9 h 19 min 46 s
